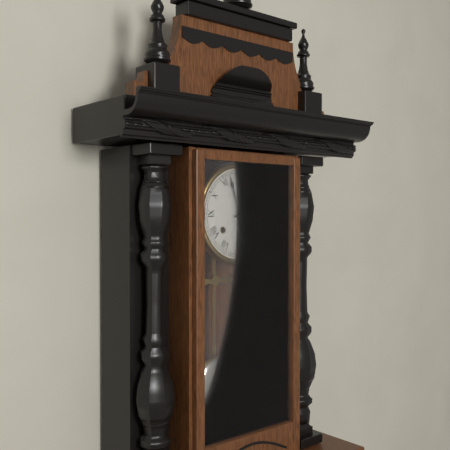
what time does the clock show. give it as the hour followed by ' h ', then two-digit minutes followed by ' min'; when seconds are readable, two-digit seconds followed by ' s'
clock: 1 h 57 min
